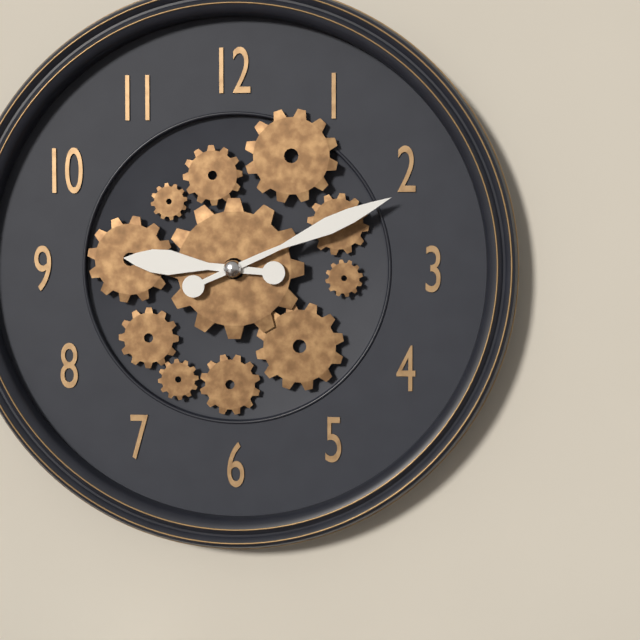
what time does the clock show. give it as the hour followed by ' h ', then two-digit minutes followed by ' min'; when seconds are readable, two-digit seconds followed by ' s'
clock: 9 h 11 min
